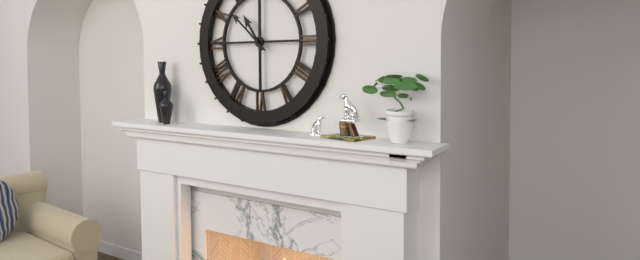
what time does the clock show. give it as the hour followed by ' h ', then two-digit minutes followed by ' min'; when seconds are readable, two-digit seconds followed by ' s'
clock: 10 h 52 min
